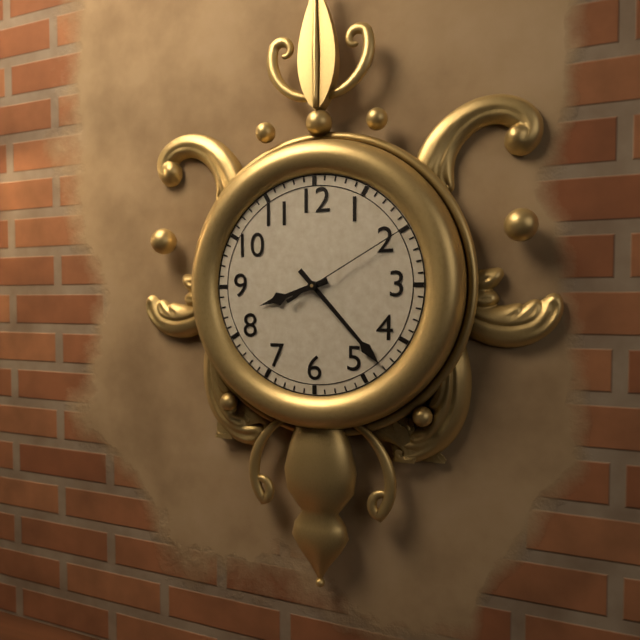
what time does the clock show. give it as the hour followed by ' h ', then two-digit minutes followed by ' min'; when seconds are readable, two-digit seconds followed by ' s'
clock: 8 h 23 min 10 s
